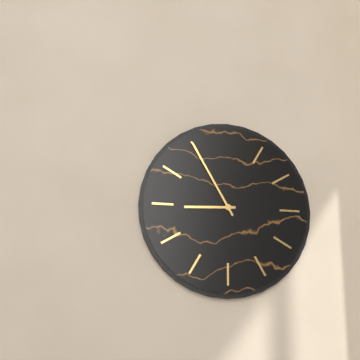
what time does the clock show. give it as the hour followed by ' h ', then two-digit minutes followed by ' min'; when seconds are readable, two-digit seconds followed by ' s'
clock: 8 h 55 min
